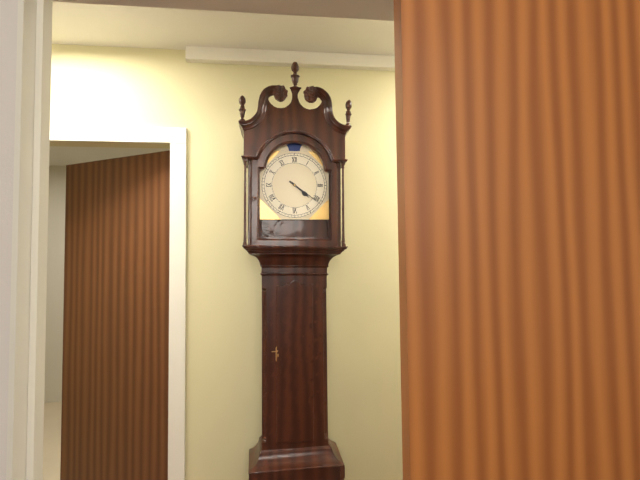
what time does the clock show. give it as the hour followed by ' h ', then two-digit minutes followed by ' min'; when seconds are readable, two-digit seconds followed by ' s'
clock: 4 h 21 min
